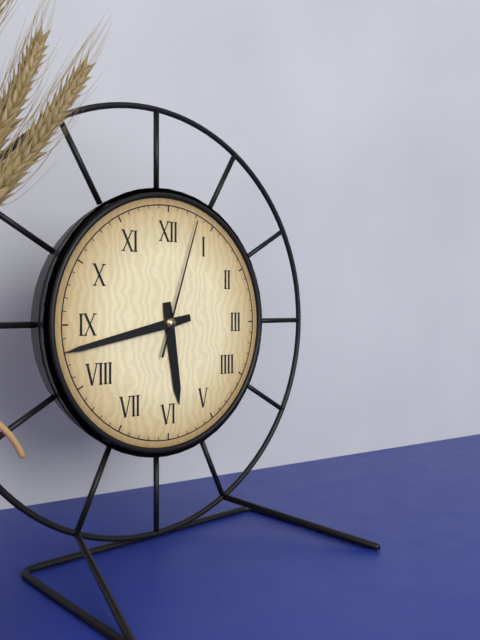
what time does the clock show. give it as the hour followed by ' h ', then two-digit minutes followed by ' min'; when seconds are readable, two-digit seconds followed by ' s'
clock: 5 h 43 min 03 s
